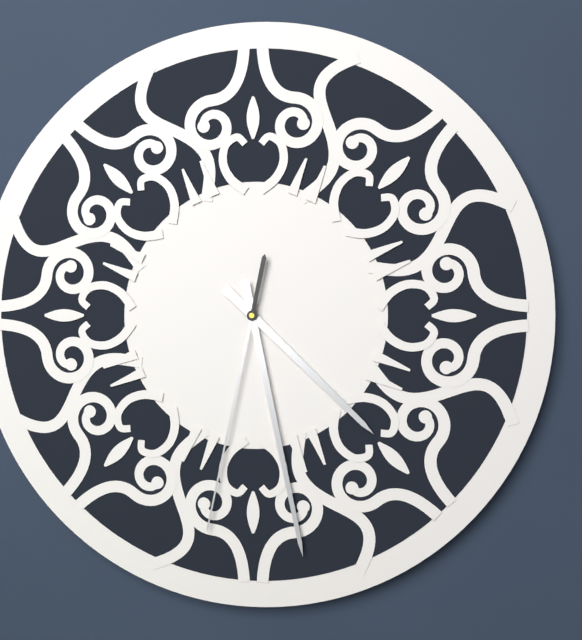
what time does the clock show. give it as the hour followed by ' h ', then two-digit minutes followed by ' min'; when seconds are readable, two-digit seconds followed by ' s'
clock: 4 h 28 min 32 s
